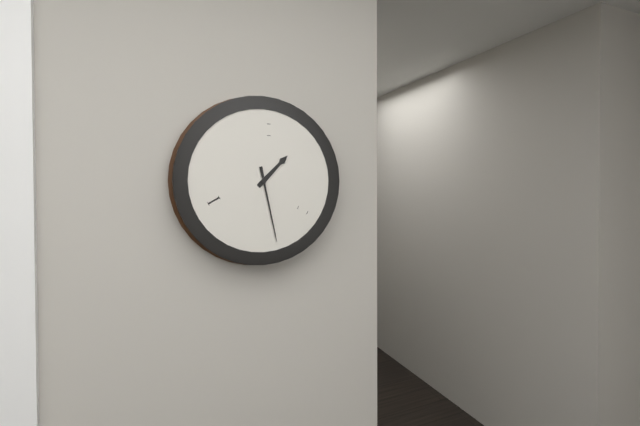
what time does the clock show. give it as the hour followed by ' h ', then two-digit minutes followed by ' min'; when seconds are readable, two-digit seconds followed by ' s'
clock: 1 h 28 min
